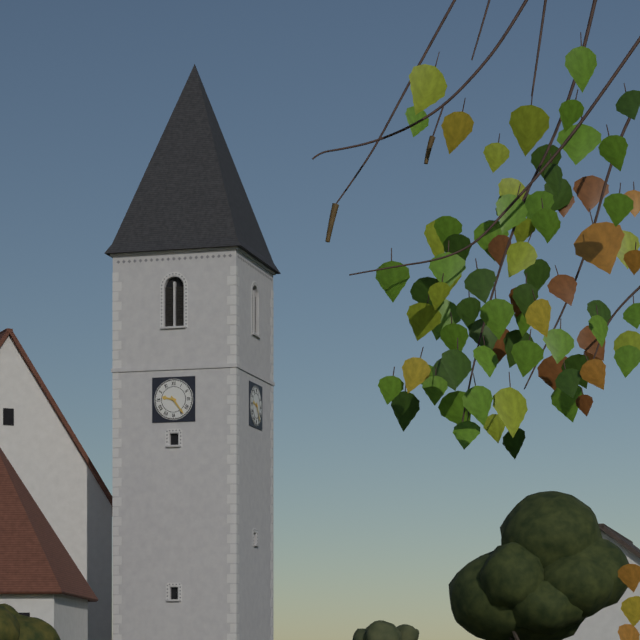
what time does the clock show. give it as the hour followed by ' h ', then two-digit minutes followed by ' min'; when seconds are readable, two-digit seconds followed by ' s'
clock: 9 h 24 min
